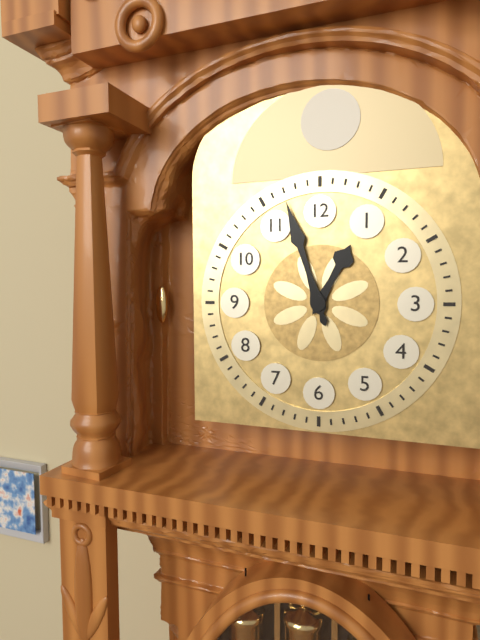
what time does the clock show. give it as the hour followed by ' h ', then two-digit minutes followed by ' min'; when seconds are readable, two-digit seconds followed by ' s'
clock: 12 h 57 min
